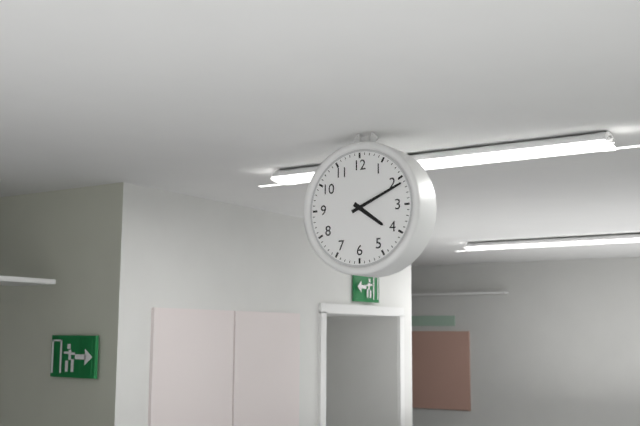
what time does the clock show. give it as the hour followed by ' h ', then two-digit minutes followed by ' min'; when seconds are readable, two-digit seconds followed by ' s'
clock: 4 h 11 min
